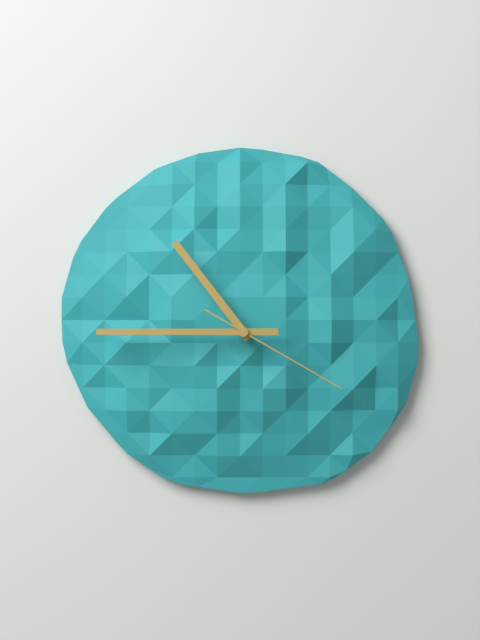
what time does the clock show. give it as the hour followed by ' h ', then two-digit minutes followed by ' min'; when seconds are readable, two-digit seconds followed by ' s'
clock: 10 h 45 min 20 s
